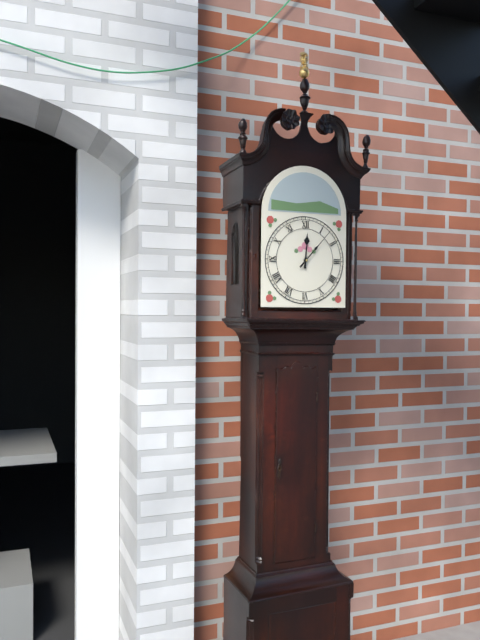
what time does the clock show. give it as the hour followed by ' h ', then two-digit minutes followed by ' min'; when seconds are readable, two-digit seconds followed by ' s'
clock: 12 h 07 min
